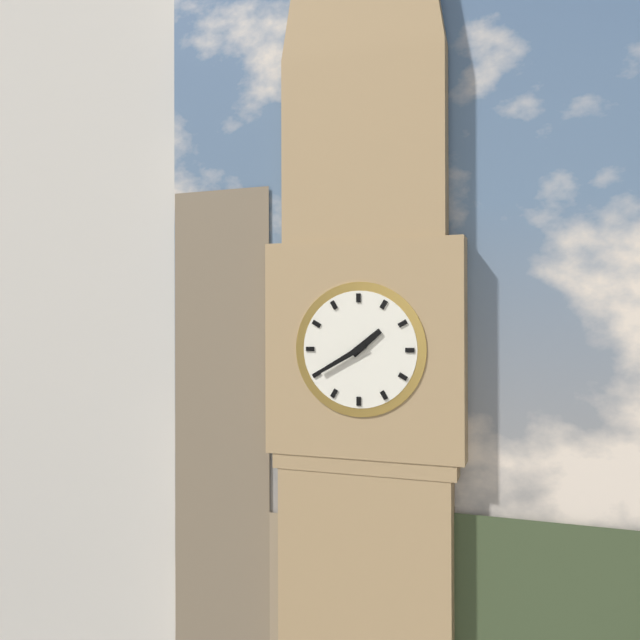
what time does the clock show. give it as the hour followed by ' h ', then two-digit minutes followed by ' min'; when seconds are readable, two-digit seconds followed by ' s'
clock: 1 h 40 min
